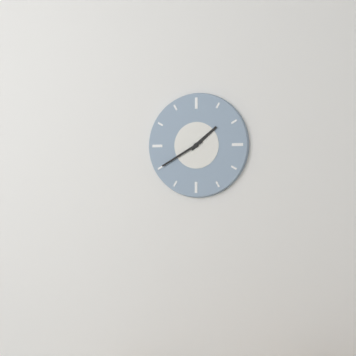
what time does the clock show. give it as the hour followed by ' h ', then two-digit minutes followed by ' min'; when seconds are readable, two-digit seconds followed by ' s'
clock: 1 h 40 min
